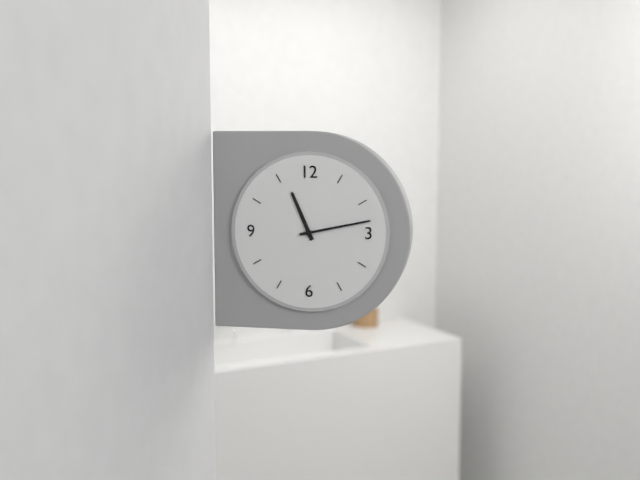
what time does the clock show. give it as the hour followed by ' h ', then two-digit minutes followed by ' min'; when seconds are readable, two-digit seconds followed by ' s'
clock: 11 h 13 min
